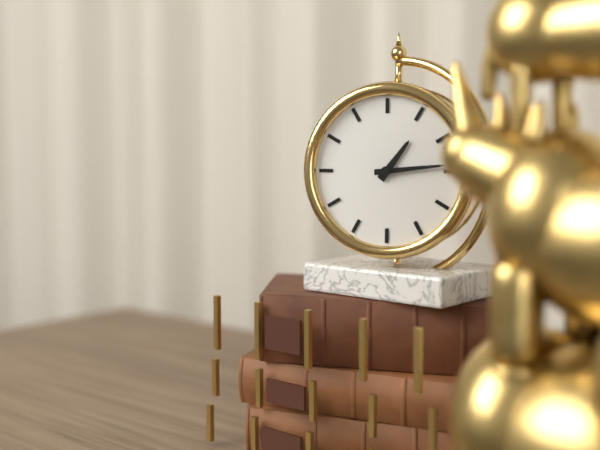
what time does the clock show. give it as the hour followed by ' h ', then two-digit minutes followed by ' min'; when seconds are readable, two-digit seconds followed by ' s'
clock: 1 h 14 min
